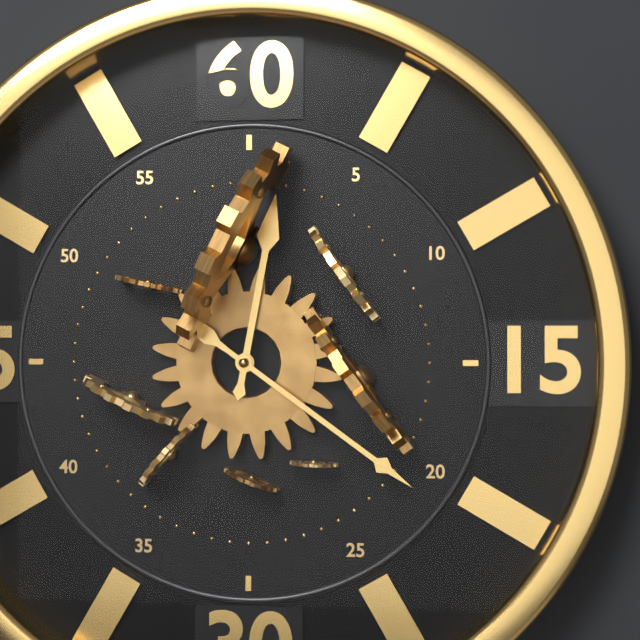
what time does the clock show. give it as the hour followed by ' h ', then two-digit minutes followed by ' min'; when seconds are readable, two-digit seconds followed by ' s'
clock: 12 h 21 min
